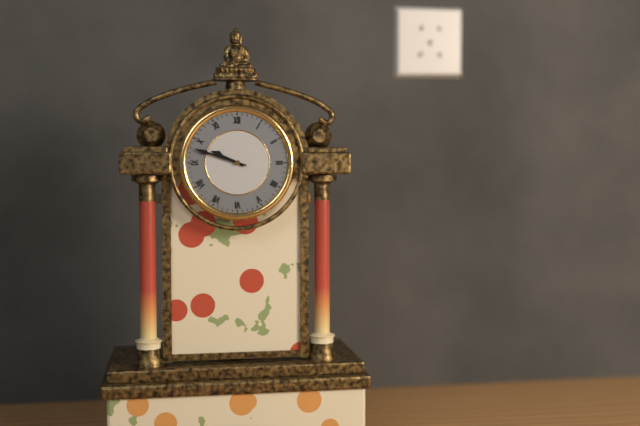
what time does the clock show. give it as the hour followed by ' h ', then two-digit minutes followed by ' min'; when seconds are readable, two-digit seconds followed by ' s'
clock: 9 h 48 min
